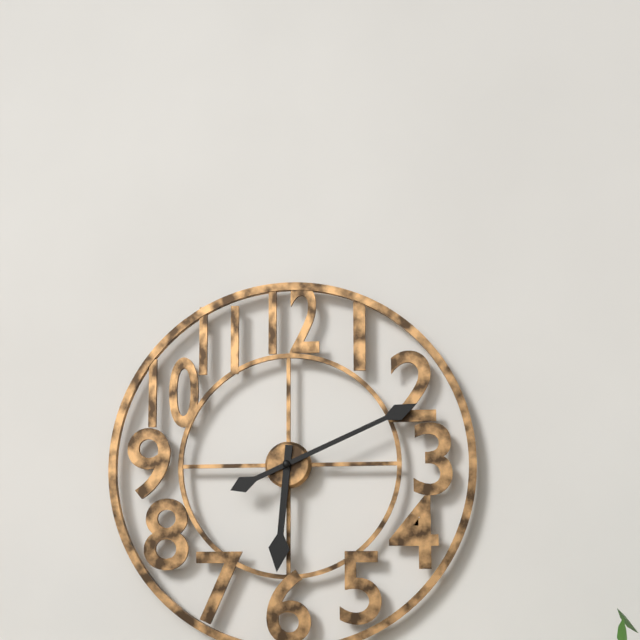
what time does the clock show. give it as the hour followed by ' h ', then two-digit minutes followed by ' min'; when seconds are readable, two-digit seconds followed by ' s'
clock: 6 h 11 min
